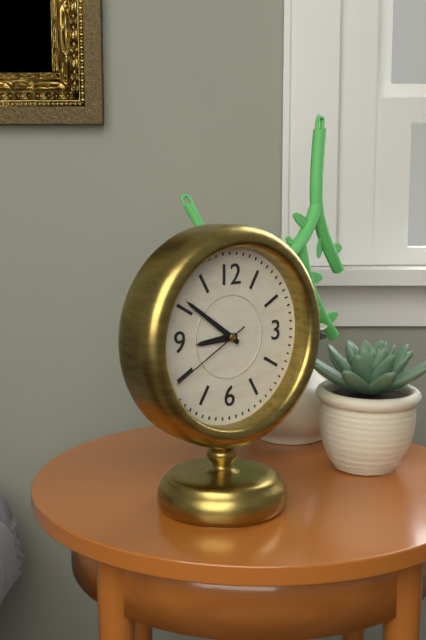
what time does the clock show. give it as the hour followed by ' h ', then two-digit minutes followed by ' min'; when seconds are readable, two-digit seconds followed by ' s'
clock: 8 h 51 min 40 s
